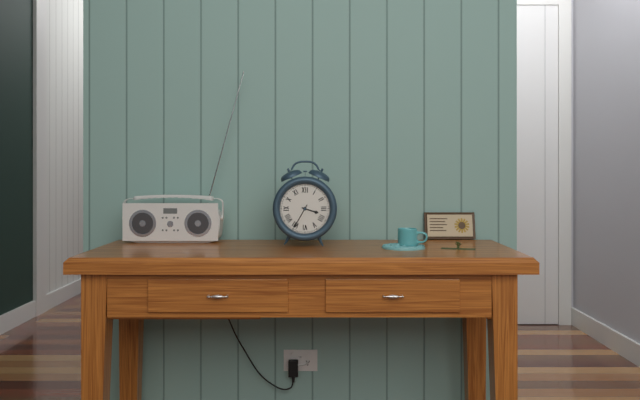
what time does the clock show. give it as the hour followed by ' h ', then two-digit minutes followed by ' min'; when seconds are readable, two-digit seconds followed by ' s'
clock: 3 h 35 min
